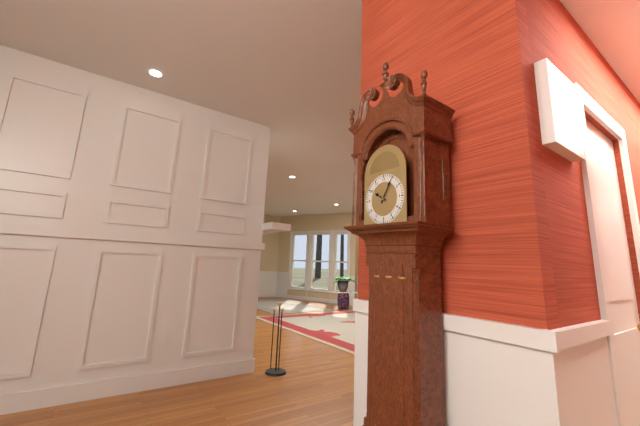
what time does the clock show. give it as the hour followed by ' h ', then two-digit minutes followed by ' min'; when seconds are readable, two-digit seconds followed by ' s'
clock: 10 h 05 min
